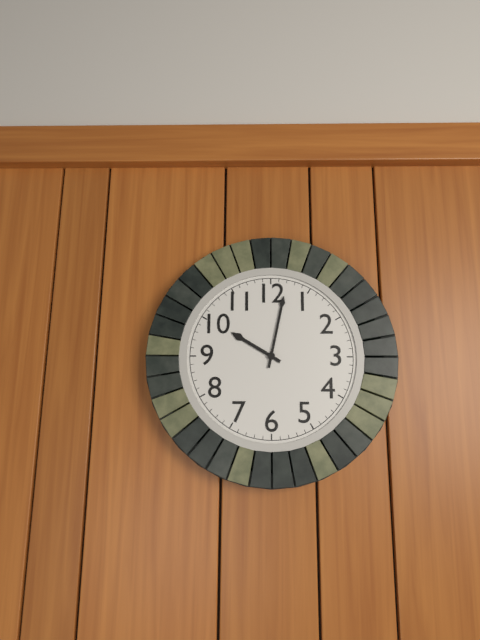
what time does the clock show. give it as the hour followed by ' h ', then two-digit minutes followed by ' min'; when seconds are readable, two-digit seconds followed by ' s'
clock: 10 h 02 min
